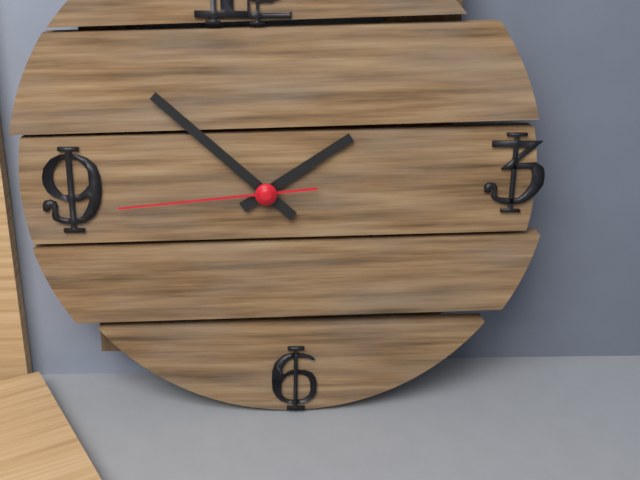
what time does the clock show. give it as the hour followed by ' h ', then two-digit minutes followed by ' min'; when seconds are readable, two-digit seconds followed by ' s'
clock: 1 h 52 min 44 s
